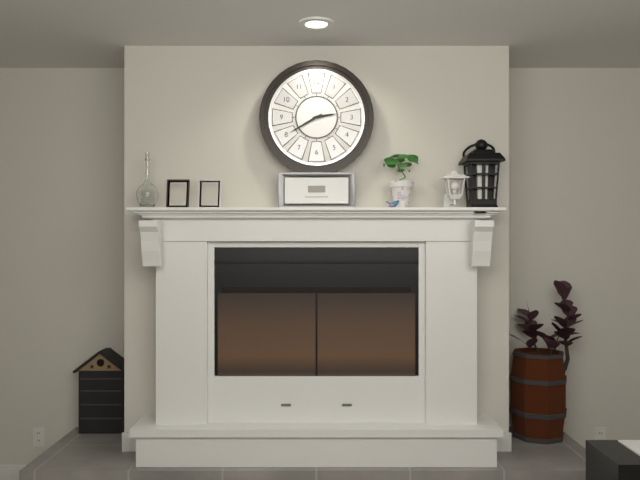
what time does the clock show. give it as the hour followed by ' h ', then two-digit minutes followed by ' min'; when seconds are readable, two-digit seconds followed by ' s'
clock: 2 h 40 min
